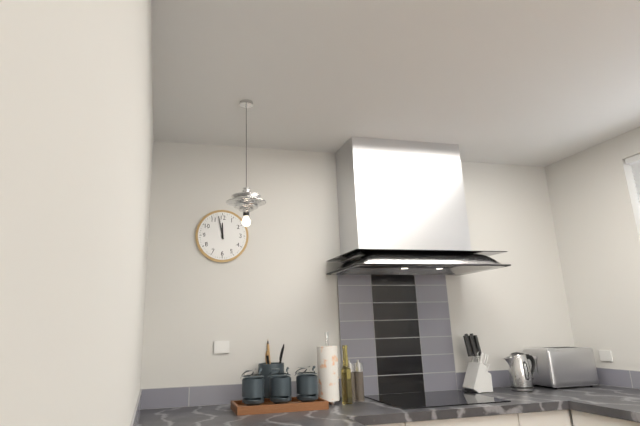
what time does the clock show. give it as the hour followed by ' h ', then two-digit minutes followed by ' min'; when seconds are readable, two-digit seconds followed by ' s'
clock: 11 h 58 min
